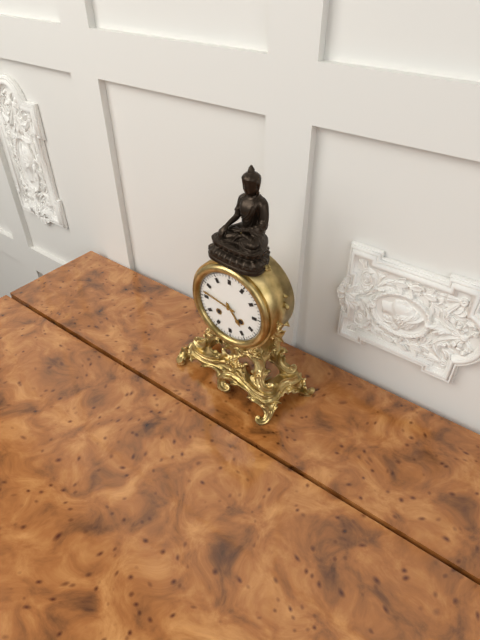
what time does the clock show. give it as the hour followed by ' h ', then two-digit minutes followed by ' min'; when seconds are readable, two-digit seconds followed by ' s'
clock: 4 h 47 min
